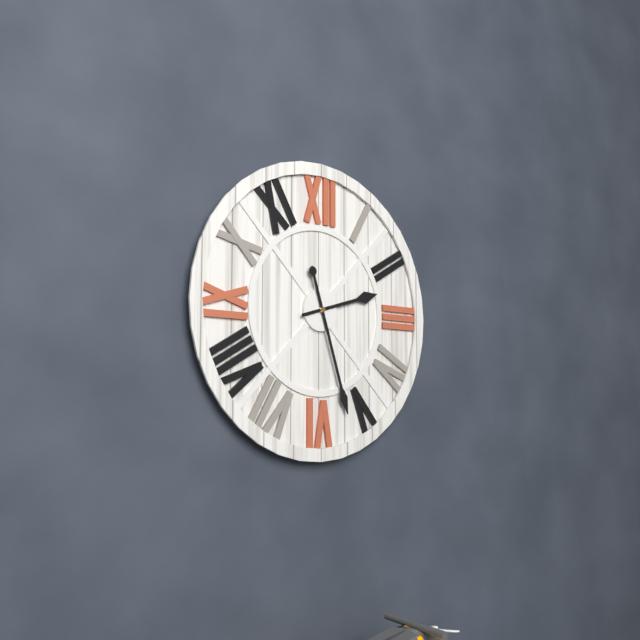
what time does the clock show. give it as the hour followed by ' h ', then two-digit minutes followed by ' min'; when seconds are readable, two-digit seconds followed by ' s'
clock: 2 h 27 min
